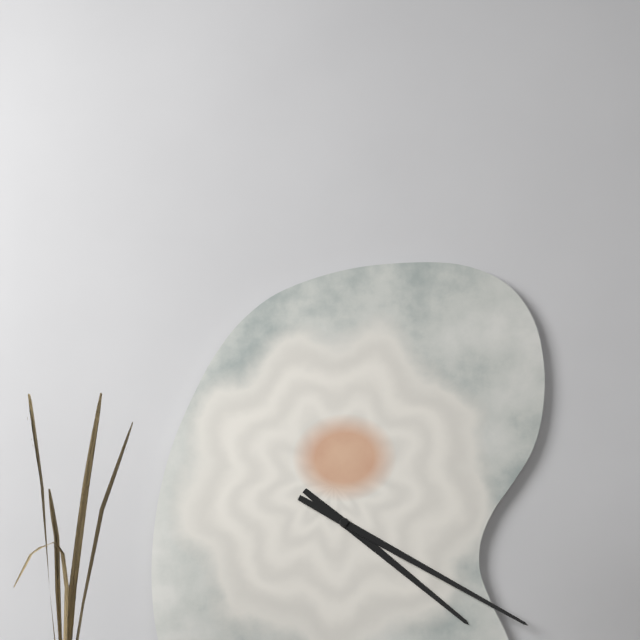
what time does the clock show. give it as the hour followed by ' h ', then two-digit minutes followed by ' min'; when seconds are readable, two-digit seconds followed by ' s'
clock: 4 h 20 min
